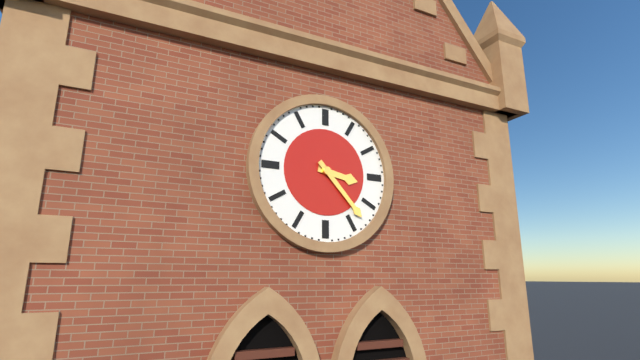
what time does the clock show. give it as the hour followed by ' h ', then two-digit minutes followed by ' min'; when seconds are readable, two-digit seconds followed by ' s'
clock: 3 h 23 min
